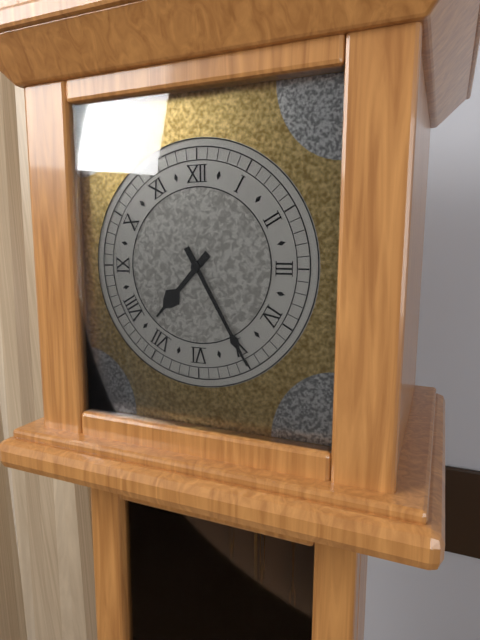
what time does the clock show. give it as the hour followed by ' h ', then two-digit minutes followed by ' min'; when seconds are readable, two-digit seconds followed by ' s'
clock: 7 h 25 min
